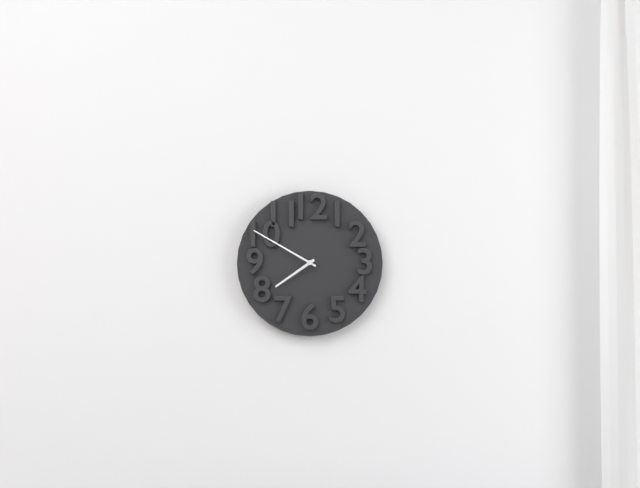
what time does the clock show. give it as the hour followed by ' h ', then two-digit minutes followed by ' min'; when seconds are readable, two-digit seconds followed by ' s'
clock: 7 h 50 min
